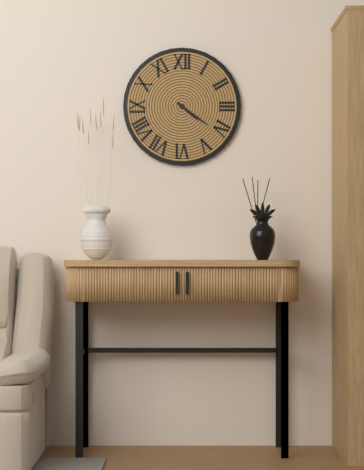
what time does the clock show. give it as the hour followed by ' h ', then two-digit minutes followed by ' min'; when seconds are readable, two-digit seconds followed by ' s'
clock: 4 h 21 min
